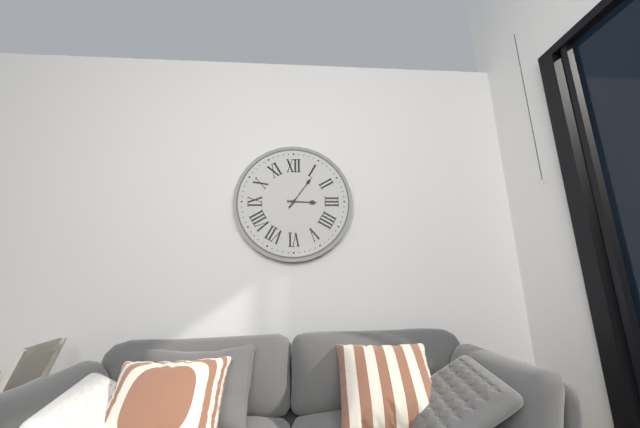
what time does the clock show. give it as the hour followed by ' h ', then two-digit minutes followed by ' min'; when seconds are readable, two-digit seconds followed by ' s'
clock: 3 h 06 min
